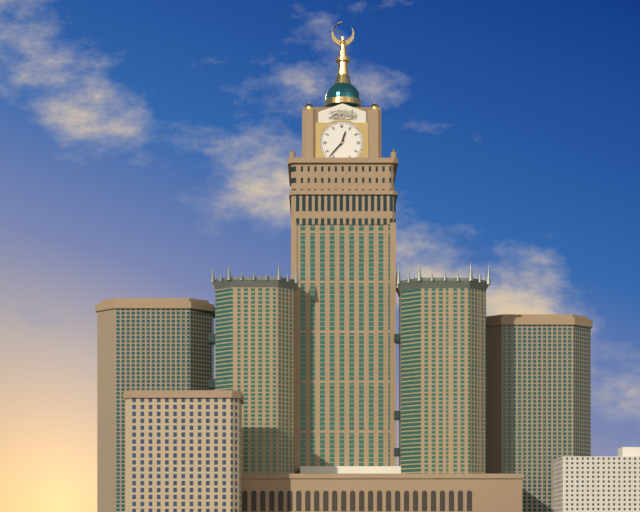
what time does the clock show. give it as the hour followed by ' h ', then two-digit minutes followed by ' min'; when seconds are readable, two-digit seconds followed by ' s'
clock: 12 h 37 min
